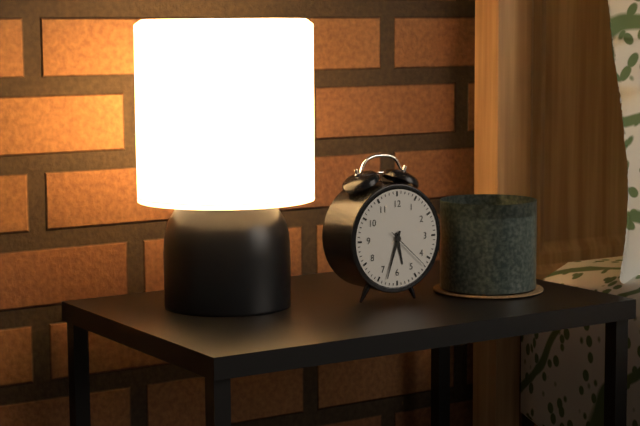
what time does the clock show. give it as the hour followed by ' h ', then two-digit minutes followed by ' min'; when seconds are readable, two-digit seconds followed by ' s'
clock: 5 h 33 min
